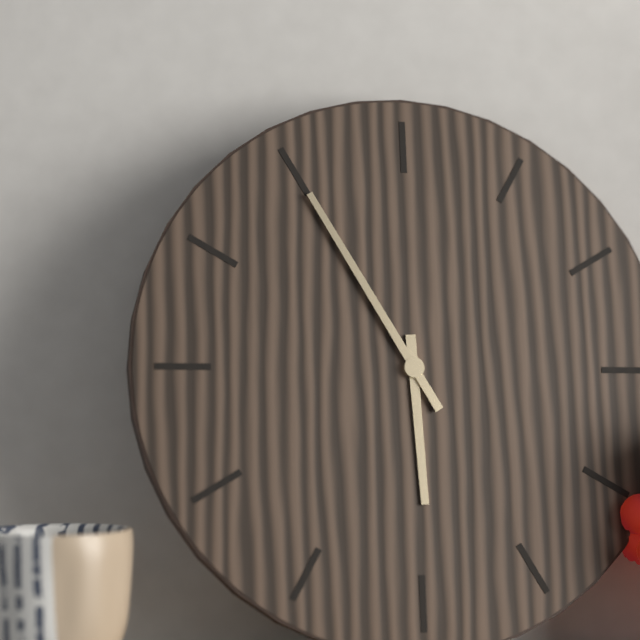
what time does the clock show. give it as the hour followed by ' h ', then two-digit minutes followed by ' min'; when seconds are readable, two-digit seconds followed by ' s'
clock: 5 h 55 min
